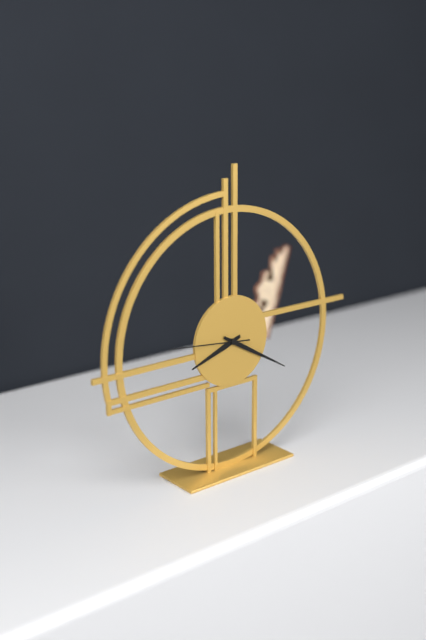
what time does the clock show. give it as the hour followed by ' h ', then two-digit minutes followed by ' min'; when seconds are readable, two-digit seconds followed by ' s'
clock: 8 h 20 min 46 s
